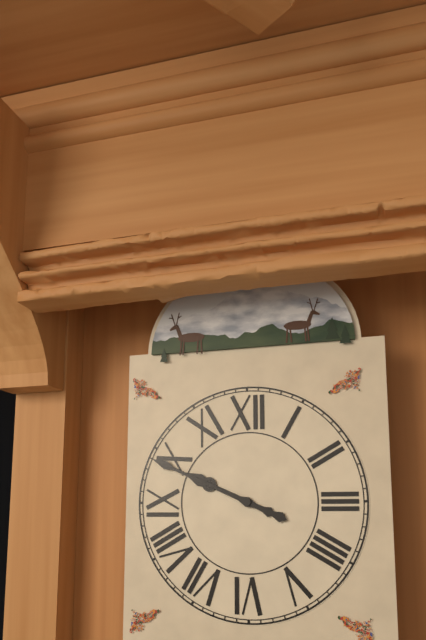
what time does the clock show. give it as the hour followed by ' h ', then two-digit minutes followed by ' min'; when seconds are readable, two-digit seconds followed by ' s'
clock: 9 h 49 min
